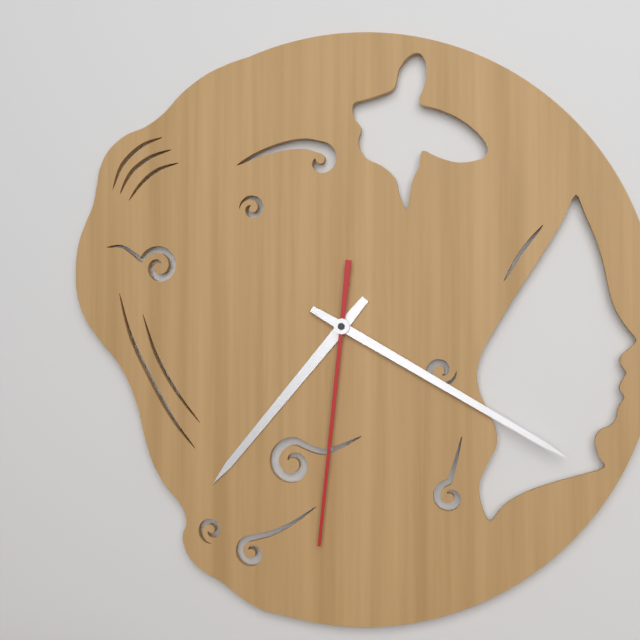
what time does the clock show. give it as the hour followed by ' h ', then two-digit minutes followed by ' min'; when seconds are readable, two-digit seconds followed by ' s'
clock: 7 h 20 min 31 s
